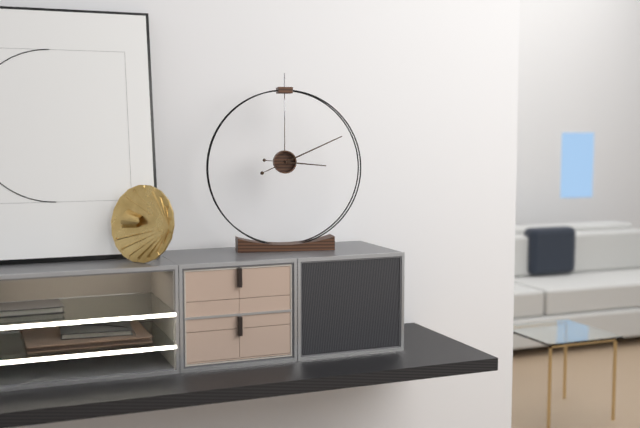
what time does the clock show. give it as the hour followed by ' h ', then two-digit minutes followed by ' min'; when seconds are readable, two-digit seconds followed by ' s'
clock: 3 h 11 min
